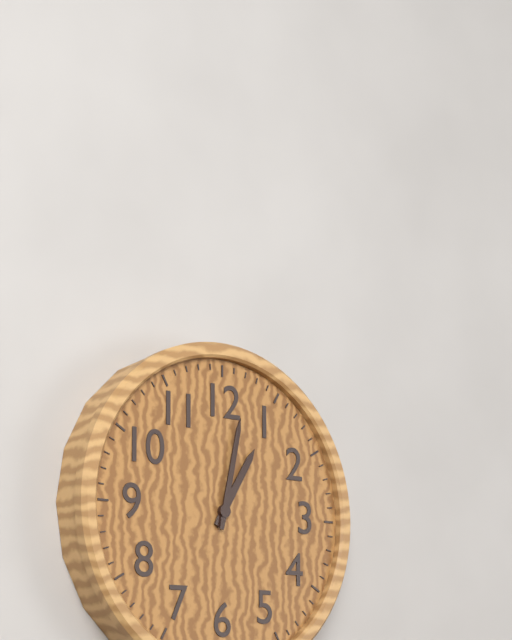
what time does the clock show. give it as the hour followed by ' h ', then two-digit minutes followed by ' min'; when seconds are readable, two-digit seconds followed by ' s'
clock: 1 h 02 min
